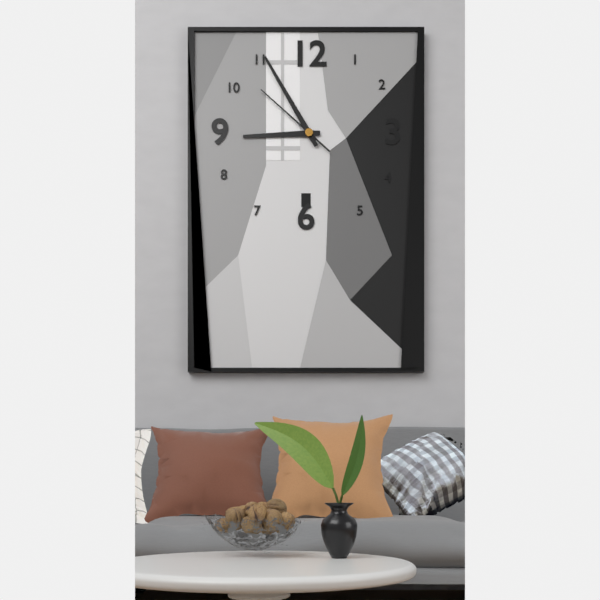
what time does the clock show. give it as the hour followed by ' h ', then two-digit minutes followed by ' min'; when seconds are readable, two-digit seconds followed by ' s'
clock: 8 h 55 min 52 s
